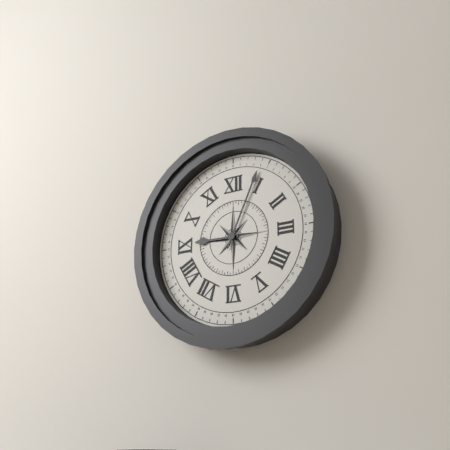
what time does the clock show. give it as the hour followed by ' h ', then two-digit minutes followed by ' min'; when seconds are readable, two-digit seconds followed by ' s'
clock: 9 h 04 min
